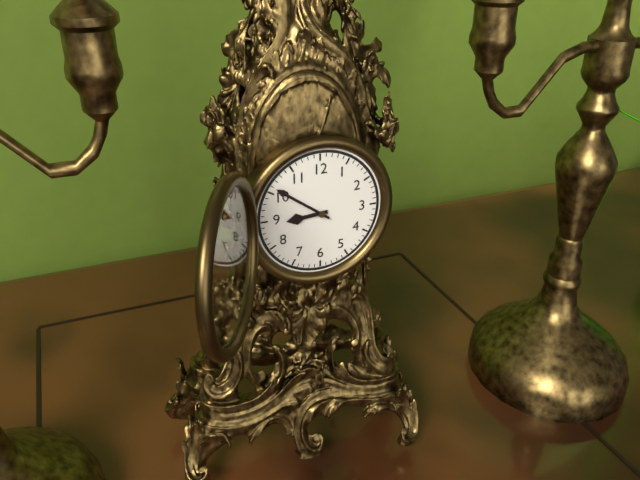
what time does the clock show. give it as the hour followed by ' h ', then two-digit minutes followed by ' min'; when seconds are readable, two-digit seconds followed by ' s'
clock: 8 h 51 min
